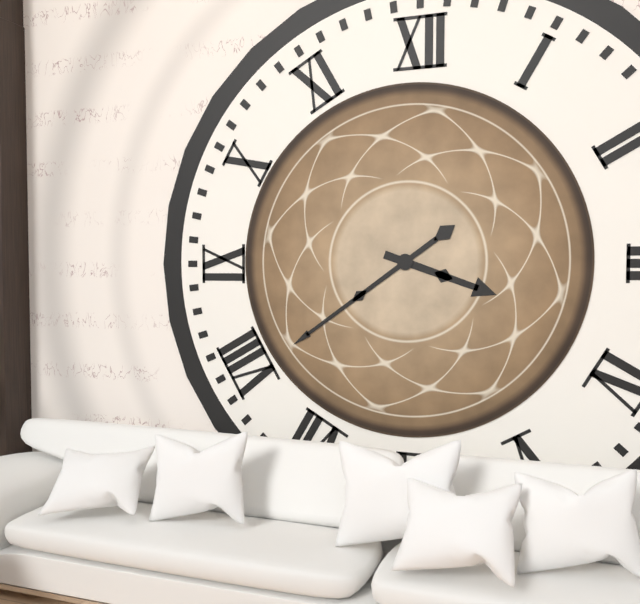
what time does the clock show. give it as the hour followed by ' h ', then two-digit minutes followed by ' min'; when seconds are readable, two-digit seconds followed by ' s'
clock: 3 h 39 min
